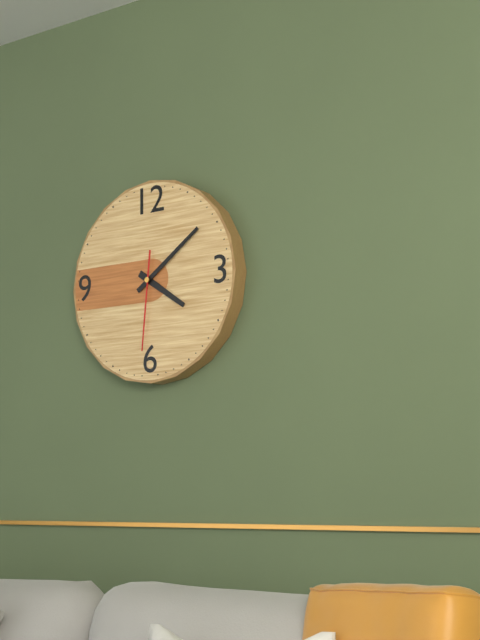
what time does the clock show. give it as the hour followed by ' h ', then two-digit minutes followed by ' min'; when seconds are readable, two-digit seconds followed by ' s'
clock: 4 h 09 min 31 s
